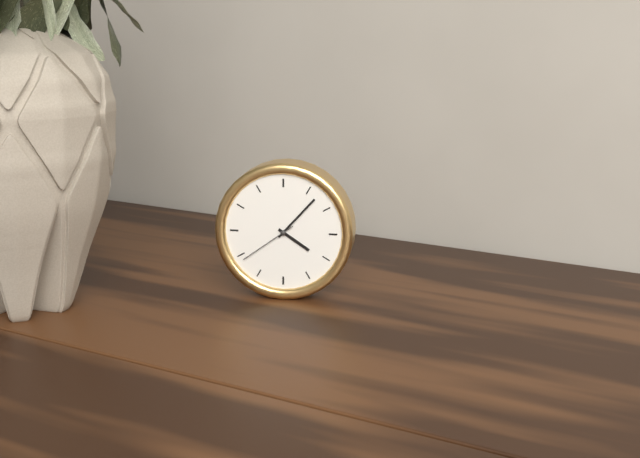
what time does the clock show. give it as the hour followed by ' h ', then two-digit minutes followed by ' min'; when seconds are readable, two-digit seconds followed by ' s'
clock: 4 h 07 min 39 s
